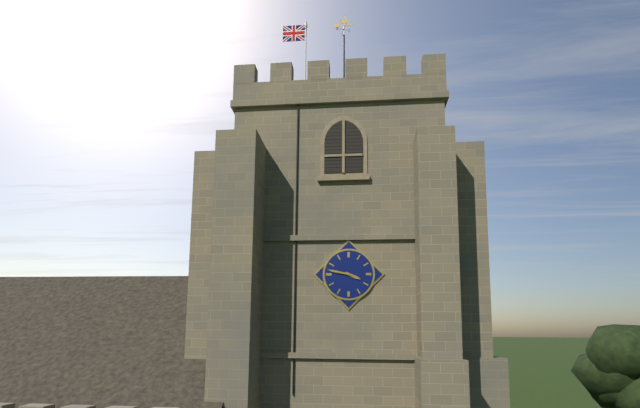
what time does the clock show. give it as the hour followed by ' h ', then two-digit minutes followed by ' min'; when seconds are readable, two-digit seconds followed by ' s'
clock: 3 h 47 min
